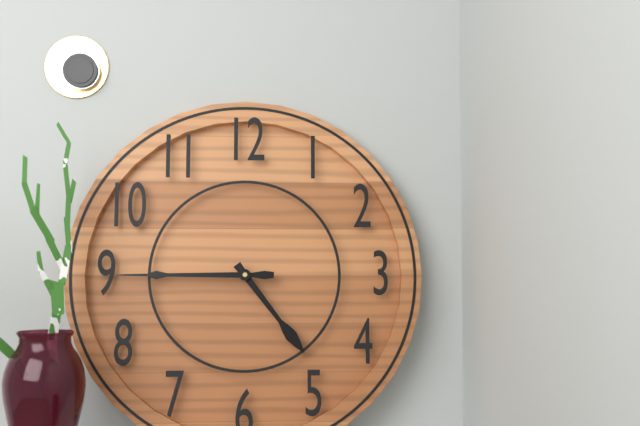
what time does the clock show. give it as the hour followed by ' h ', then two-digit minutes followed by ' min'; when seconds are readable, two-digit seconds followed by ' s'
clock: 4 h 45 min
